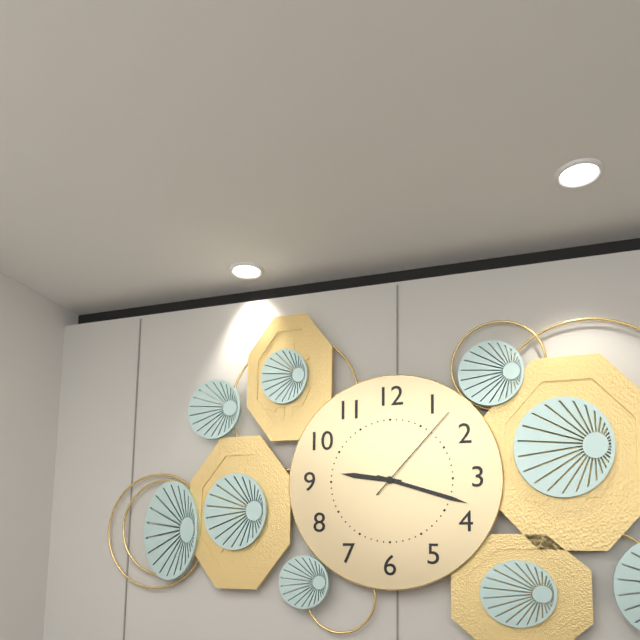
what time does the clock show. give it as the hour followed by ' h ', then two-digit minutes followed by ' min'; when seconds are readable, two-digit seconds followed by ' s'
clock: 9 h 18 min 07 s
